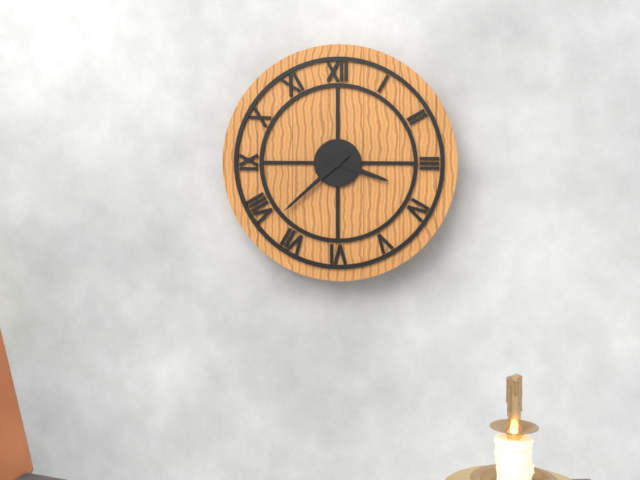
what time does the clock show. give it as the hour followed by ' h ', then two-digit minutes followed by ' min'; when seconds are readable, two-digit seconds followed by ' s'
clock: 3 h 38 min
